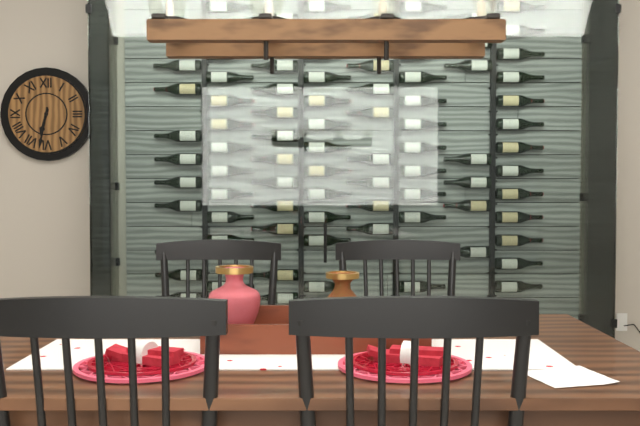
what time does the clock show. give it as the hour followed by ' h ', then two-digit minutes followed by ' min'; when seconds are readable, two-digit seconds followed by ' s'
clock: 6 h 32 min
